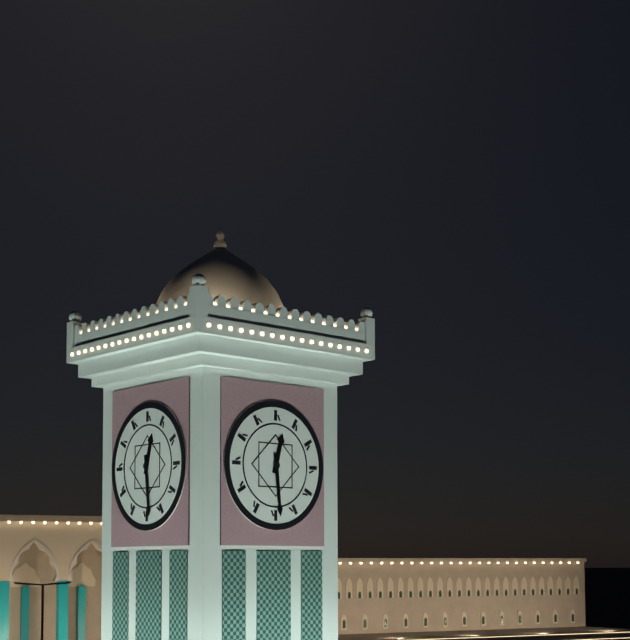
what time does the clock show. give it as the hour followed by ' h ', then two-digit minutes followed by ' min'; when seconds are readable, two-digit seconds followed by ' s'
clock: 12 h 29 min
